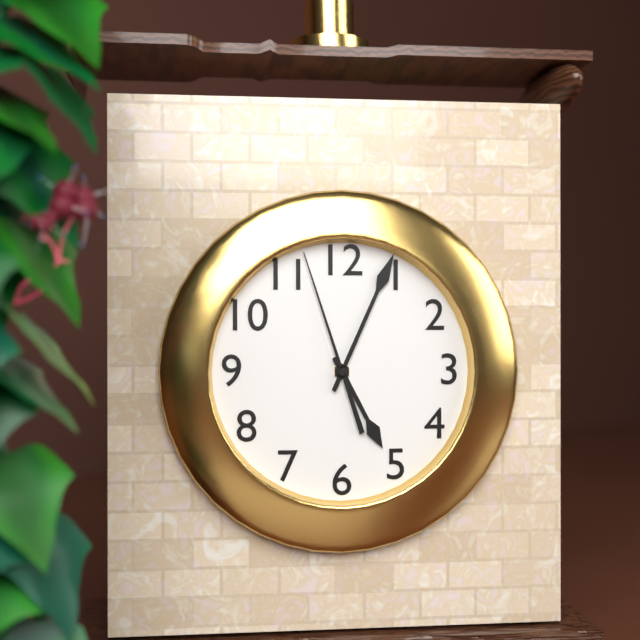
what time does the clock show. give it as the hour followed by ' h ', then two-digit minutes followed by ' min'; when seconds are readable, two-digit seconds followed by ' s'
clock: 5 h 04 min 57 s
